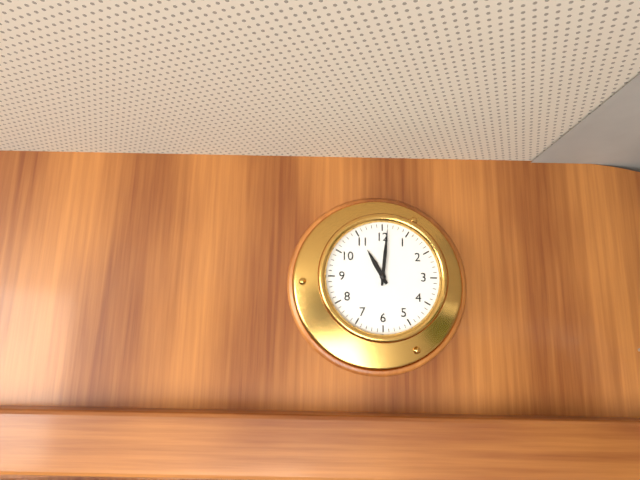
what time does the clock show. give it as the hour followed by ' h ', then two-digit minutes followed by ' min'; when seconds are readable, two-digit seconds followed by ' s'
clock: 11 h 01 min
